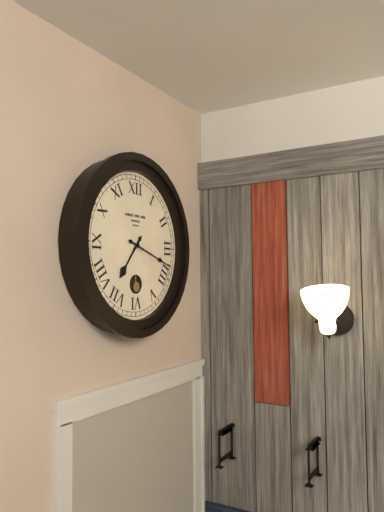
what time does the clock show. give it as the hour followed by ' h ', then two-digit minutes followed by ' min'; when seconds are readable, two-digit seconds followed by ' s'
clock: 7 h 18 min
